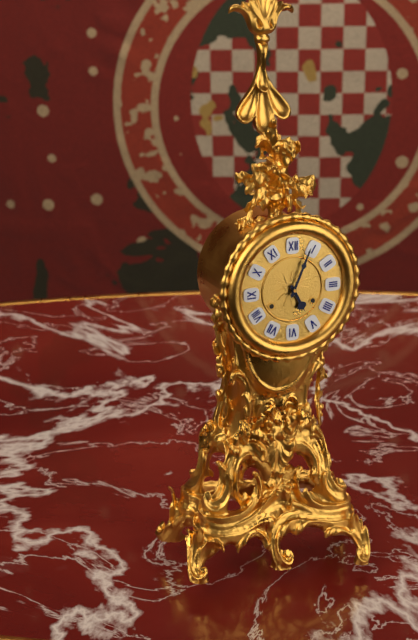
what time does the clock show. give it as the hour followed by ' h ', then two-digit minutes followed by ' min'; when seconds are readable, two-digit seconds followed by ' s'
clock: 5 h 04 min
